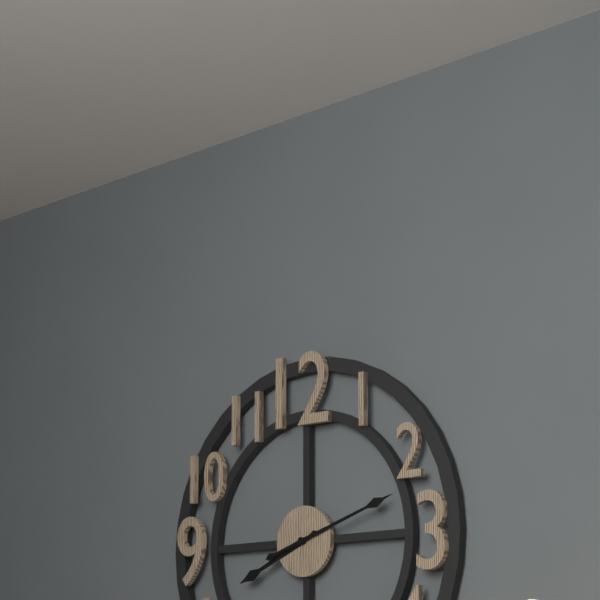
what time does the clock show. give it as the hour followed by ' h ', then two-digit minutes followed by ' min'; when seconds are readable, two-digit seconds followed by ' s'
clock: 8 h 12 min
